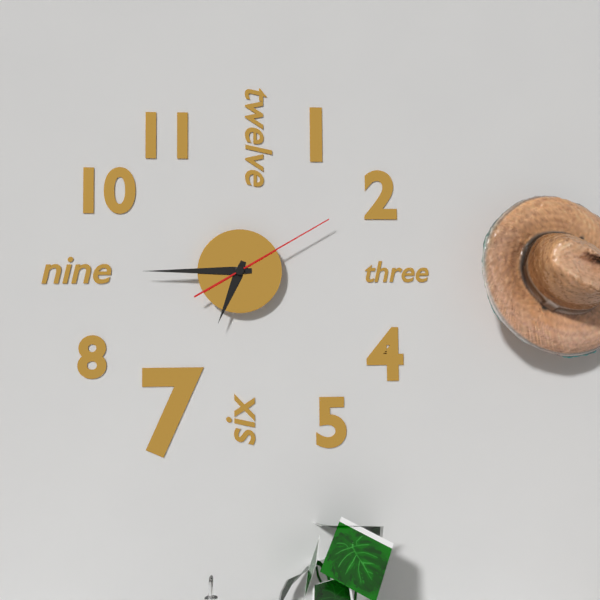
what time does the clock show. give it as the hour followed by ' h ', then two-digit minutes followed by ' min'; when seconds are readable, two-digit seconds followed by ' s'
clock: 6 h 45 min 10 s
